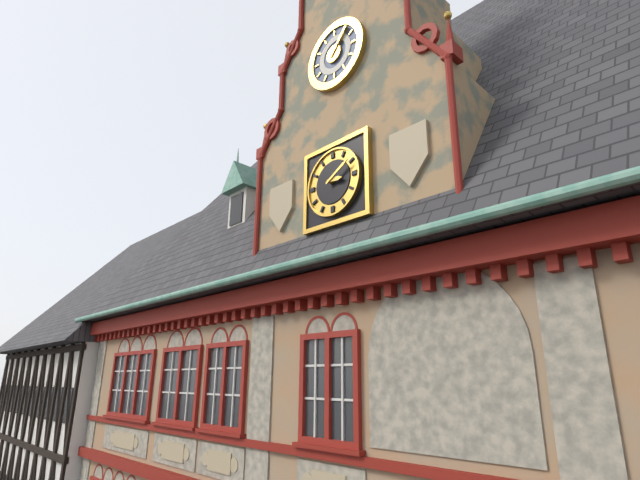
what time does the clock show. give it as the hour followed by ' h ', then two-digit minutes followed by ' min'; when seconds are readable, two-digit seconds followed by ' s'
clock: 3 h 10 min
